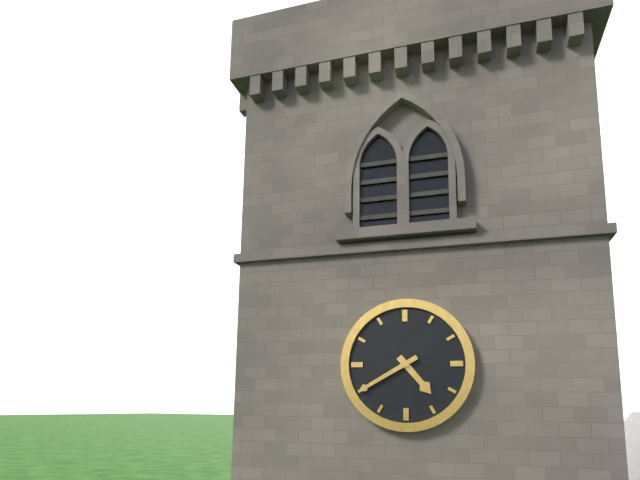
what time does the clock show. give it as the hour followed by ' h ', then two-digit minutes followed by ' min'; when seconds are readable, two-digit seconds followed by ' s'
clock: 4 h 40 min
